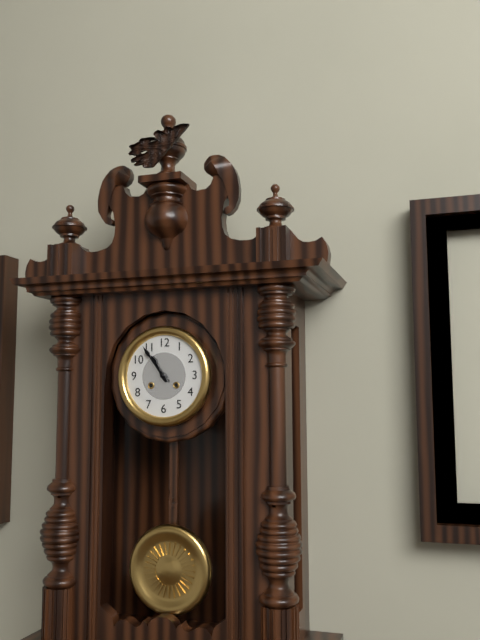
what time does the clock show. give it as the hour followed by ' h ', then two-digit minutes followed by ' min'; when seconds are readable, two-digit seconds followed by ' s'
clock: 10 h 54 min
